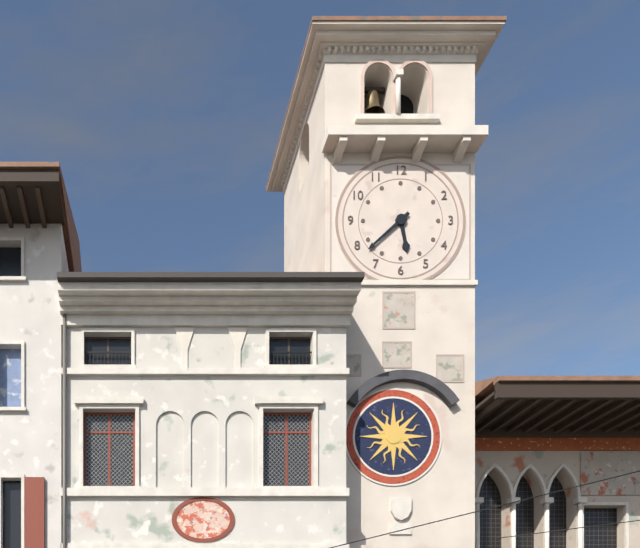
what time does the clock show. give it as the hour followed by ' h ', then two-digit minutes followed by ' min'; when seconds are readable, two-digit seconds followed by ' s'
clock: 5 h 38 min
